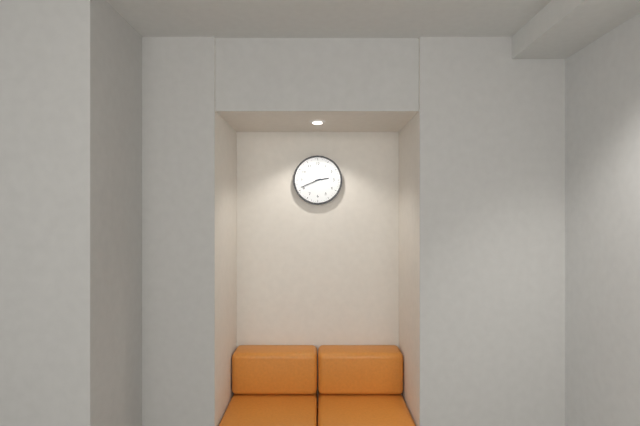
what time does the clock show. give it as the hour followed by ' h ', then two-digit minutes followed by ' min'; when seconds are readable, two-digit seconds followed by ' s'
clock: 2 h 41 min
